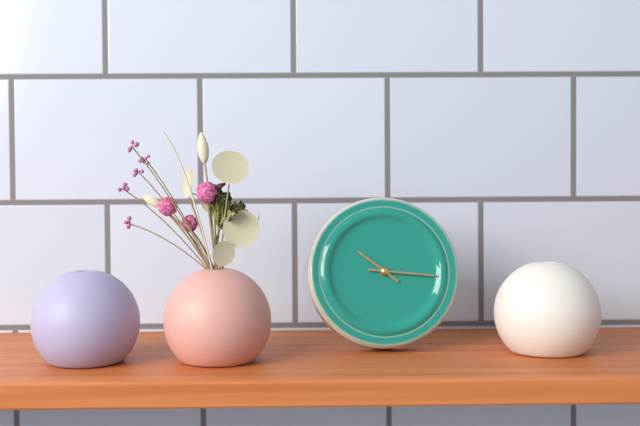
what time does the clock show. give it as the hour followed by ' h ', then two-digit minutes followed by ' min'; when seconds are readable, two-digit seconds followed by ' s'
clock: 10 h 16 min
